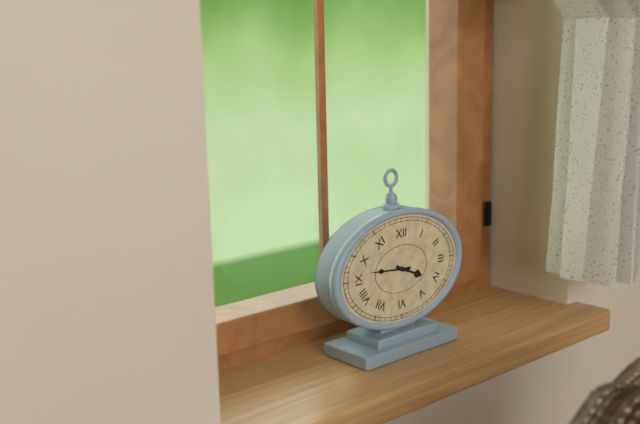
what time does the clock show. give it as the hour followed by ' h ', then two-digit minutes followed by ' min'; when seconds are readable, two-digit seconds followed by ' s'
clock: 3 h 46 min
